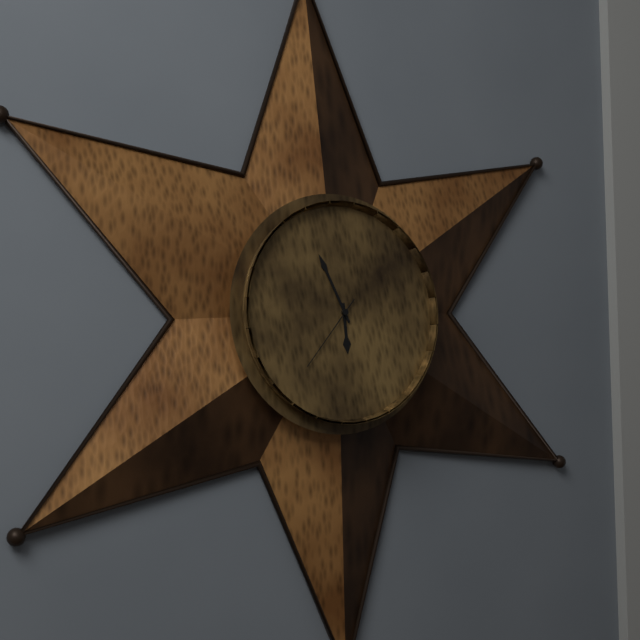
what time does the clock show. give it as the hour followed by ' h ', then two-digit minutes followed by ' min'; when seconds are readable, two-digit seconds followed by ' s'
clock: 5 h 56 min 37 s
